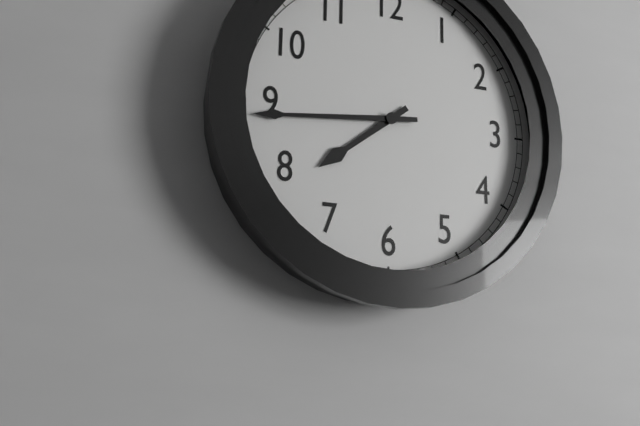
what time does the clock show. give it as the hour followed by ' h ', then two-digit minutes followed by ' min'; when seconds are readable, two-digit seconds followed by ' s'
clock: 7 h 44 min
